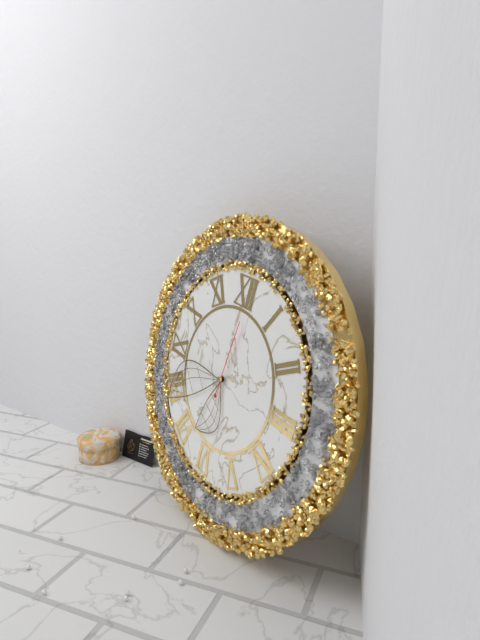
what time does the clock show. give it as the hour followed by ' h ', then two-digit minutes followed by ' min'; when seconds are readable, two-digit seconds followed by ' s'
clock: 6 h 39 min 01 s
